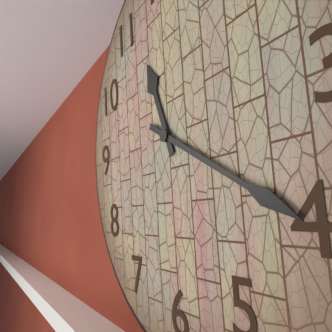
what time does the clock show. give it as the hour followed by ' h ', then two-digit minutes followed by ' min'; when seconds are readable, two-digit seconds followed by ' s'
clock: 11 h 20 min
